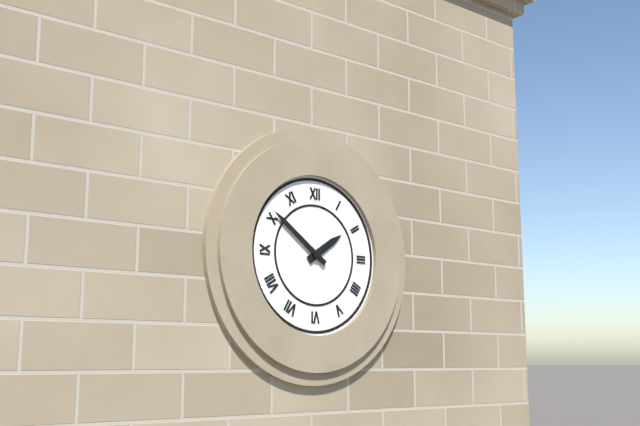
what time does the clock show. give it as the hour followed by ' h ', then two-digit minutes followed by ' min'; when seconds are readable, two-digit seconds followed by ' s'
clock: 1 h 51 min
